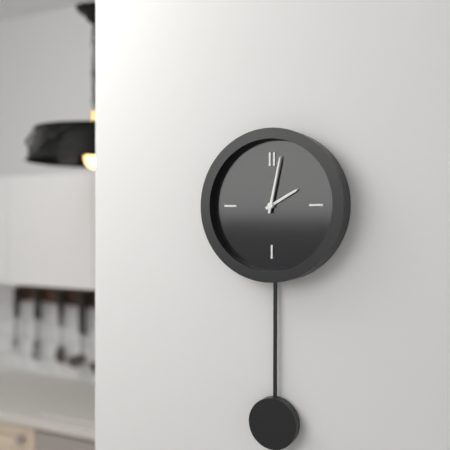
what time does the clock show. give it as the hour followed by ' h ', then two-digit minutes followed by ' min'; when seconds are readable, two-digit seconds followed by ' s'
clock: 2 h 02 min
